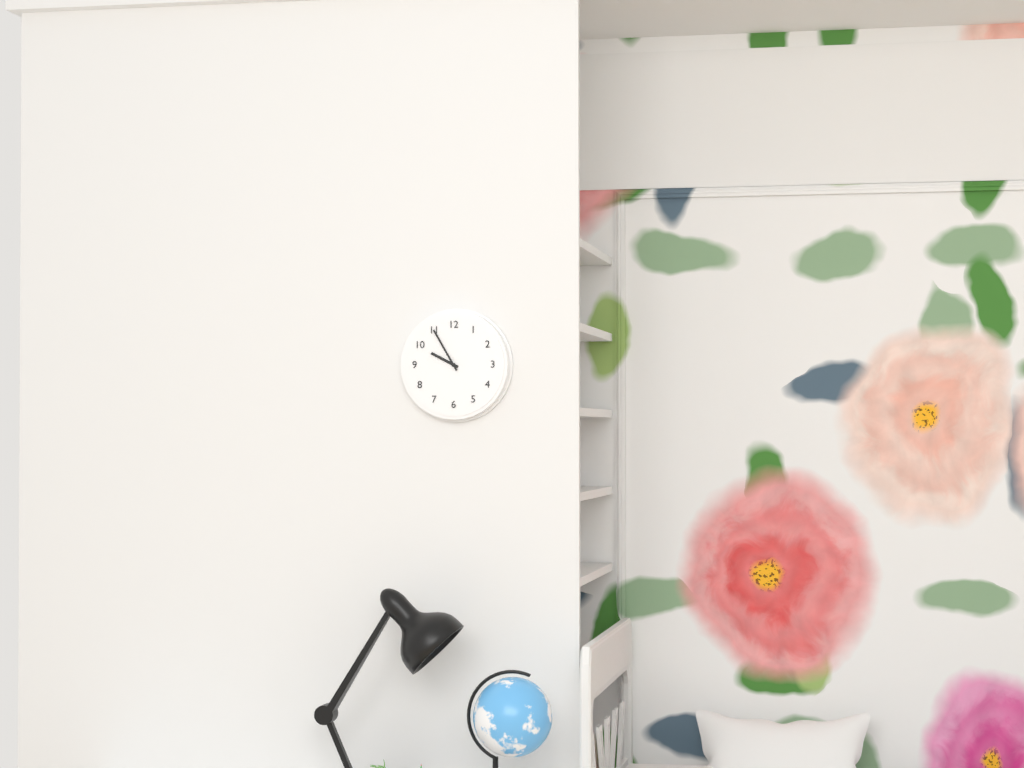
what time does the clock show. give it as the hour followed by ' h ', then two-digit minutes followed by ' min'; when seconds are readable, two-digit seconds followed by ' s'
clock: 9 h 55 min
